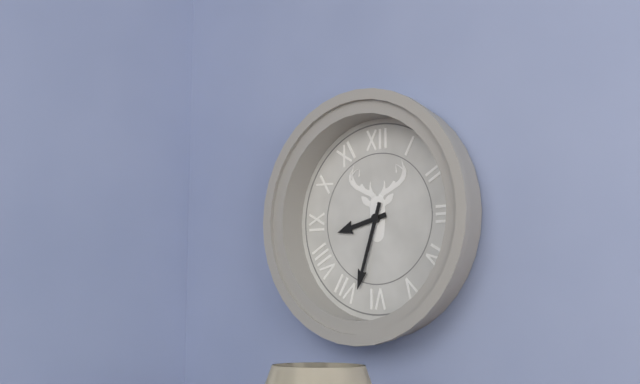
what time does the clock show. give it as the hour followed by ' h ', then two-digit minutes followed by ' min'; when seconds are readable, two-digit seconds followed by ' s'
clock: 8 h 33 min
